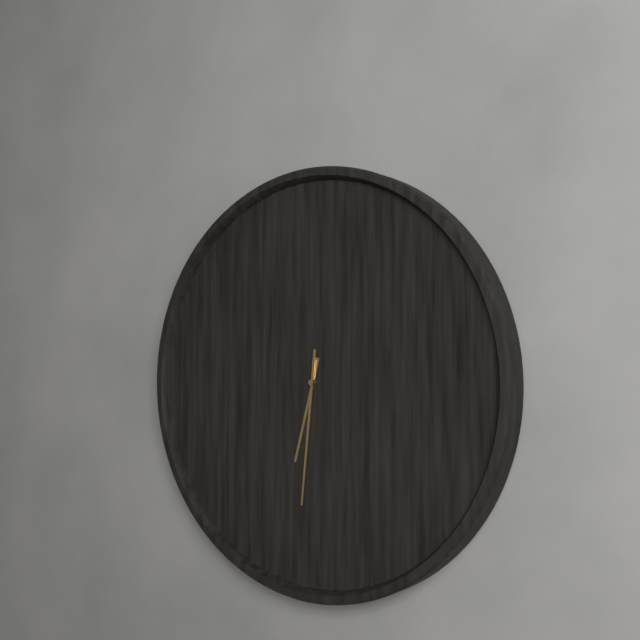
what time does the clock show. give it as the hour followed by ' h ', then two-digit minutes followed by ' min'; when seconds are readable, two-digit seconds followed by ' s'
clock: 6 h 31 min
